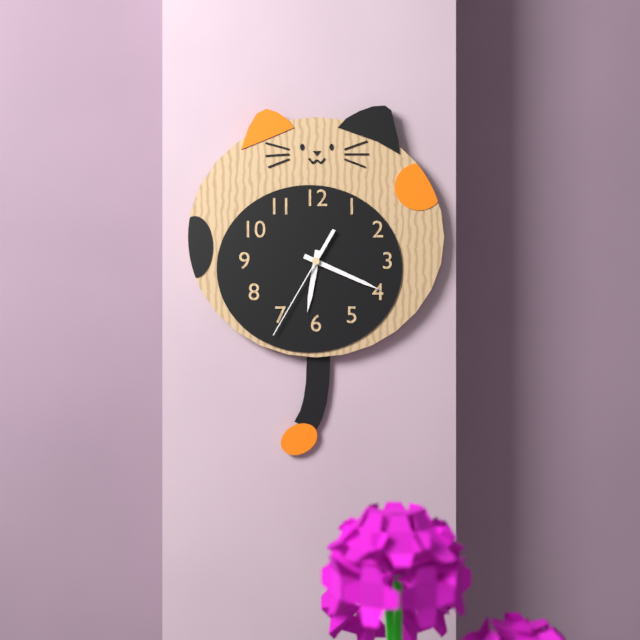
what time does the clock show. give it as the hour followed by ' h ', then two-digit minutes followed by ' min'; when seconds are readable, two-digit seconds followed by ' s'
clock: 6 h 19 min 35 s
